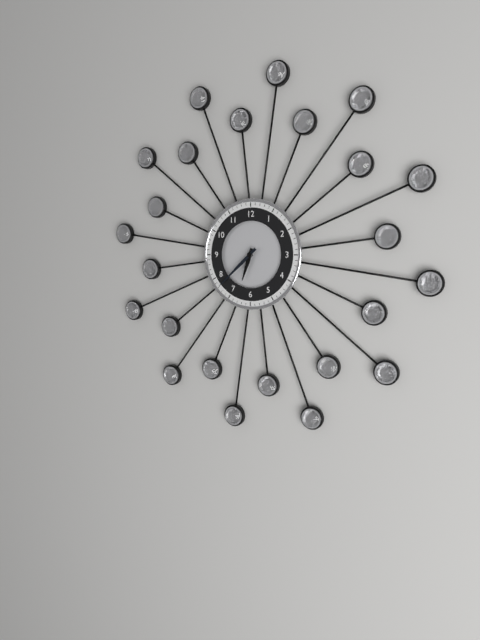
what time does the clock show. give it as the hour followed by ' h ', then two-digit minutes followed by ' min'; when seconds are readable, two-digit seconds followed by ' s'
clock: 6 h 38 min
